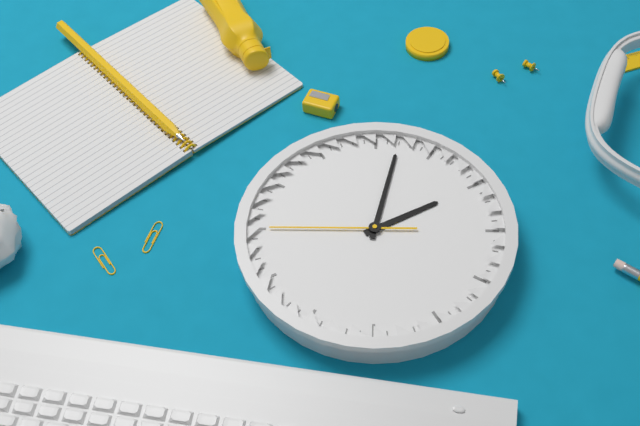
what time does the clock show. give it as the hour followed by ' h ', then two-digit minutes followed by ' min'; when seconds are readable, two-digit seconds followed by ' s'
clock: 2 h 02 min 45 s
